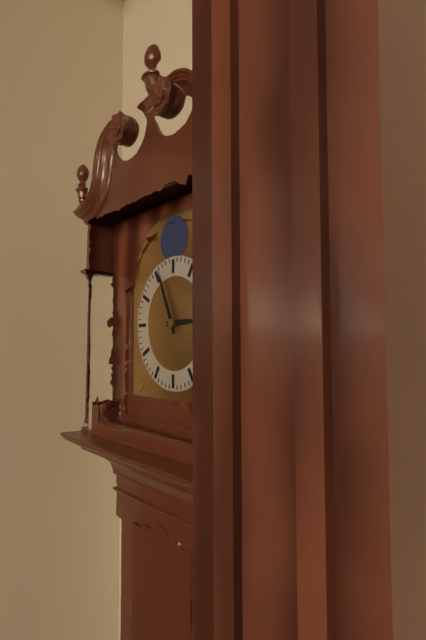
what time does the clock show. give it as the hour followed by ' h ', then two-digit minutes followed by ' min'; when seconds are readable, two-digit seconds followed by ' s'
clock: 2 h 56 min
